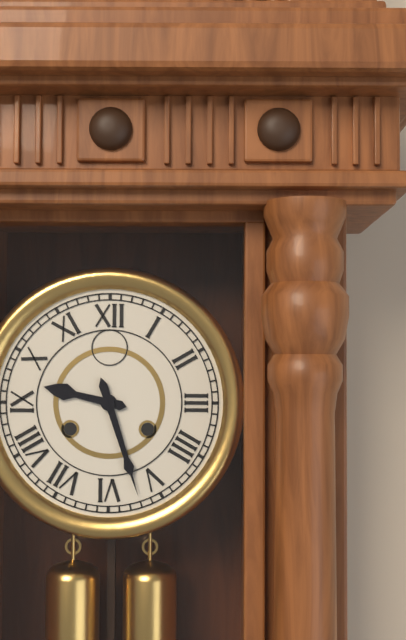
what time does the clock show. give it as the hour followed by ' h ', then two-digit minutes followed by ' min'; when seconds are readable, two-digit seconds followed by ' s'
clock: 9 h 27 min
